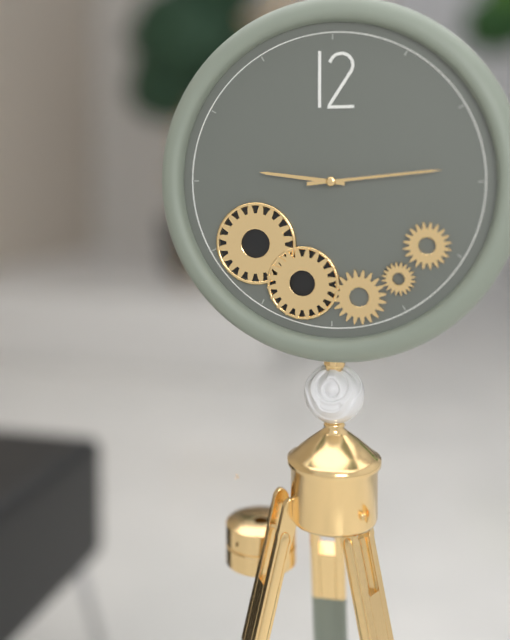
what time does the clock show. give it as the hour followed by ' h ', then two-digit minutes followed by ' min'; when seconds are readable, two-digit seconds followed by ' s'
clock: 9 h 14 min
